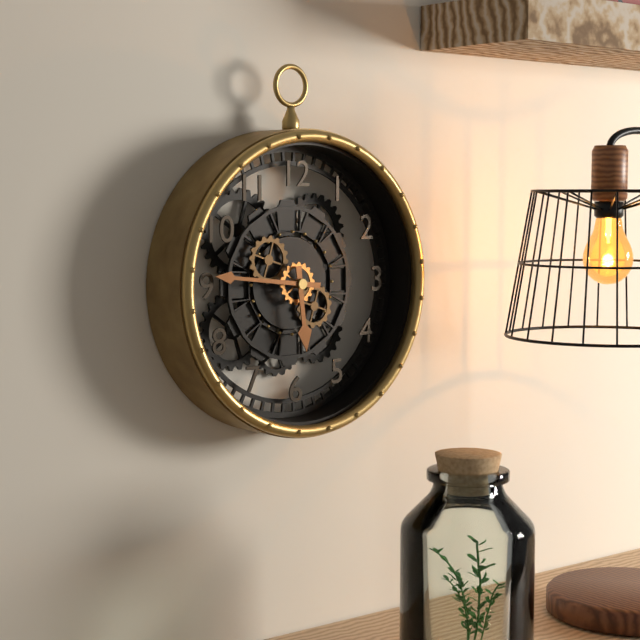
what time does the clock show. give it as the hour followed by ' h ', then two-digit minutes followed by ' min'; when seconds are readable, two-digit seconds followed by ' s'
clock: 5 h 46 min
